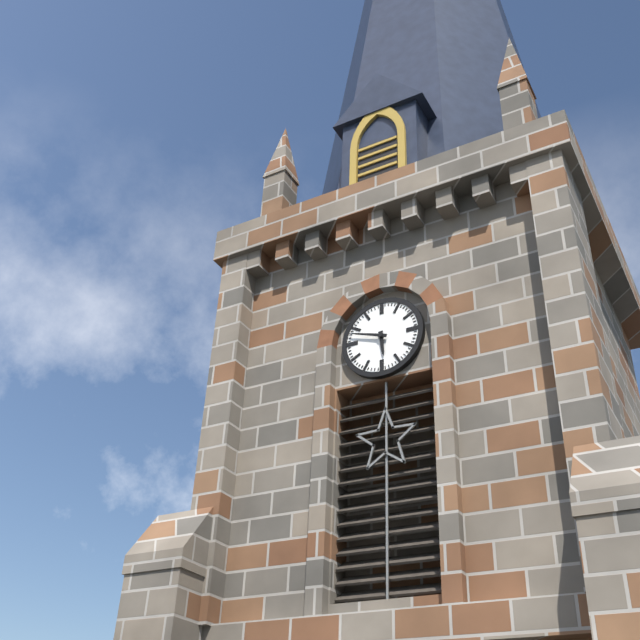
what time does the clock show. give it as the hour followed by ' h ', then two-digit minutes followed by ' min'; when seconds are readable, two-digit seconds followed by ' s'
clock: 5 h 48 min
